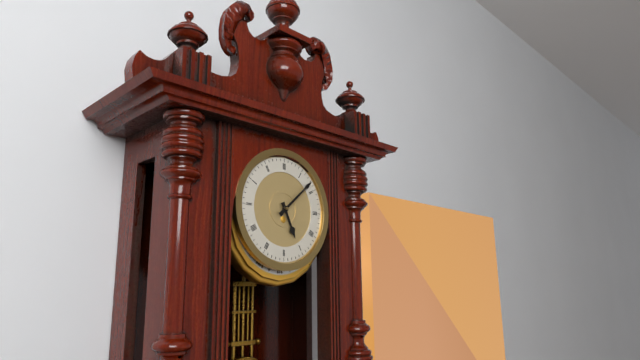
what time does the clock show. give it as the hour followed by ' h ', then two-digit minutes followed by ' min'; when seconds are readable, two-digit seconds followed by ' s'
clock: 5 h 08 min
